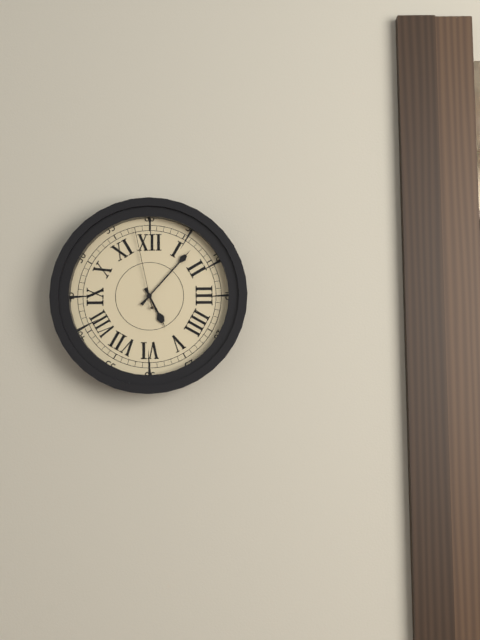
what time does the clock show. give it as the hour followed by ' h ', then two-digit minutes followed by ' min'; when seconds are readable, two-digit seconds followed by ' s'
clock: 5 h 07 min 58 s
